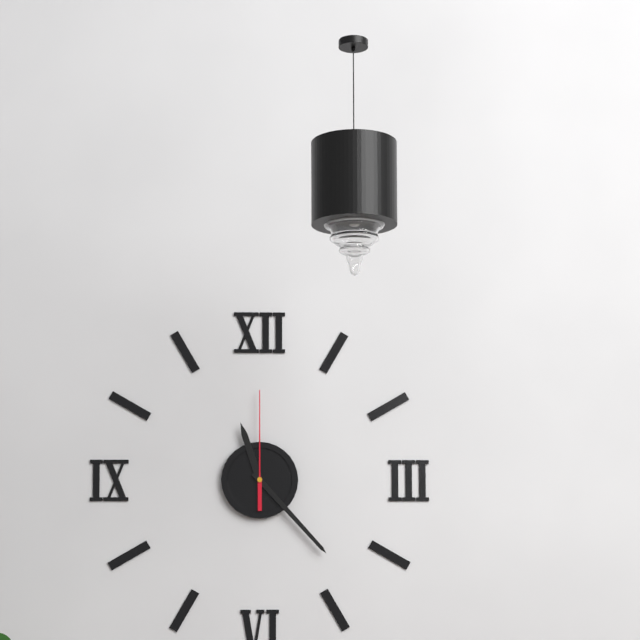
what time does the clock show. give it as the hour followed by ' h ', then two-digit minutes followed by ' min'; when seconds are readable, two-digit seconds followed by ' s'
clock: 11 h 23 min 00 s
